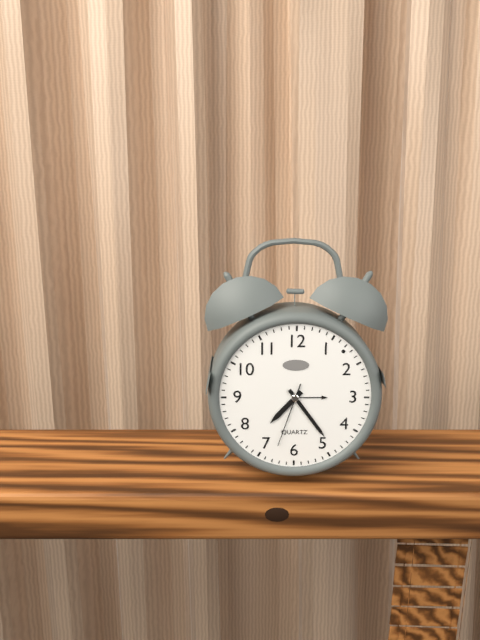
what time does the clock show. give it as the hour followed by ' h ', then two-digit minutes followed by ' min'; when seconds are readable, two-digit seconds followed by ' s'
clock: 7 h 24 min 33 s
